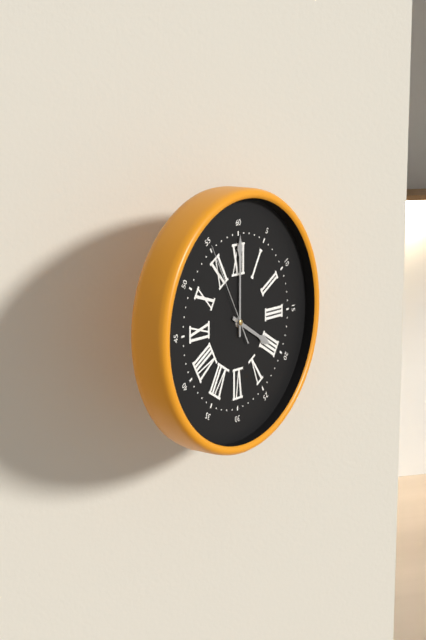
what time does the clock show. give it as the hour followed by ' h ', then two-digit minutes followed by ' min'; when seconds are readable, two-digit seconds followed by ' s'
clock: 4 h 00 min 55 s
